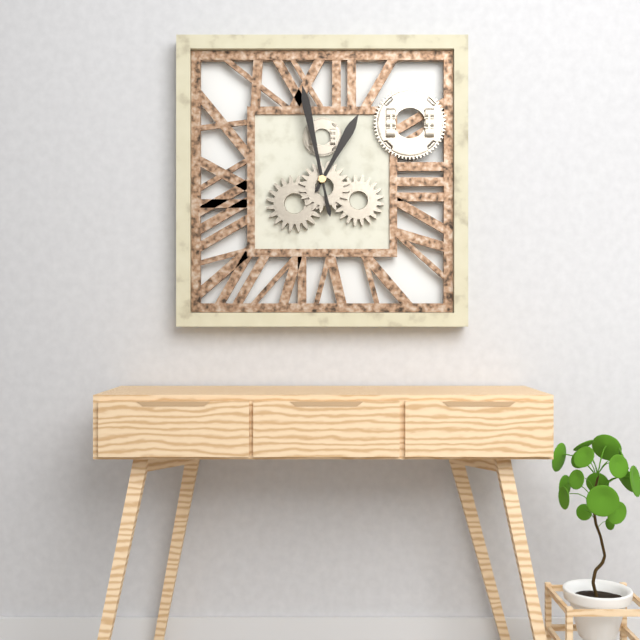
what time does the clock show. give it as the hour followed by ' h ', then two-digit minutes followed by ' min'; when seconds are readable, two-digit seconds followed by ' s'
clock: 12 h 58 min
